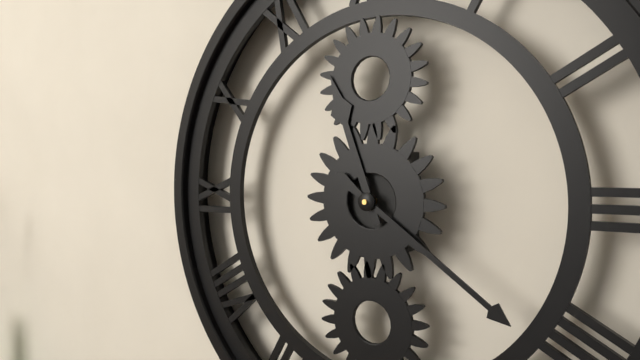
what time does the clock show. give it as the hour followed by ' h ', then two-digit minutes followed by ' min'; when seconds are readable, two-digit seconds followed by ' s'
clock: 11 h 21 min
